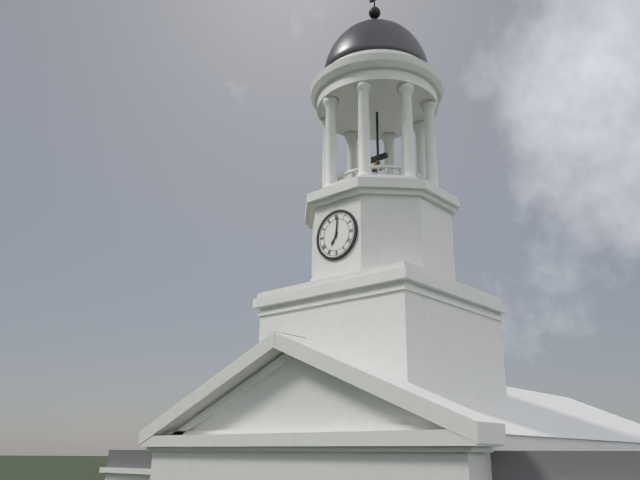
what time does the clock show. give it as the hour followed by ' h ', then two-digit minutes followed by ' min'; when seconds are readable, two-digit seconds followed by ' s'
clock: 7 h 01 min
